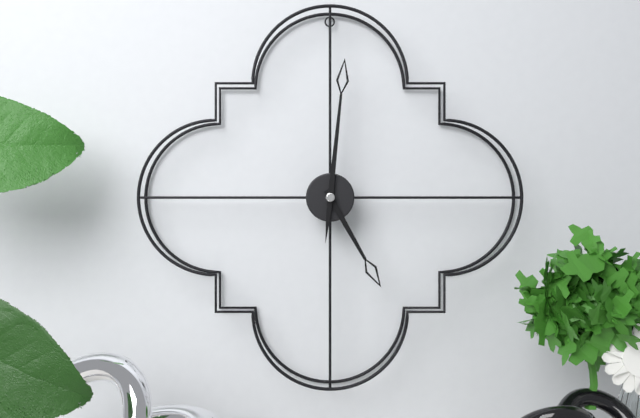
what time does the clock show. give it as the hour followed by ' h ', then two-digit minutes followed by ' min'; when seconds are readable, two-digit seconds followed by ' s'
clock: 5 h 01 min
